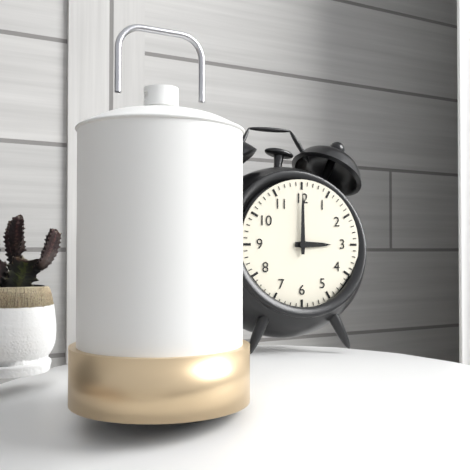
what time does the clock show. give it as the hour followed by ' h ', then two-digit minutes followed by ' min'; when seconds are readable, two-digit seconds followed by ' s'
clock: 3 h 00 min
